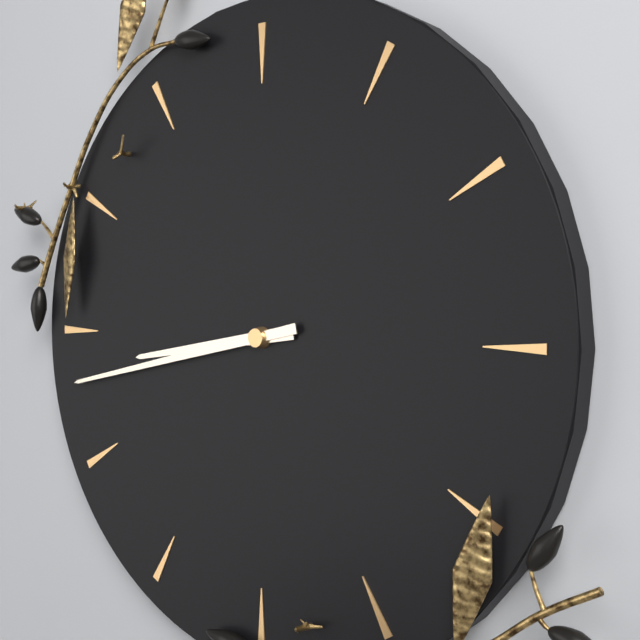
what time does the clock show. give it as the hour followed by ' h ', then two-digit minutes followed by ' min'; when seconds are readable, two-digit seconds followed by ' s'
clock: 8 h 43 min
